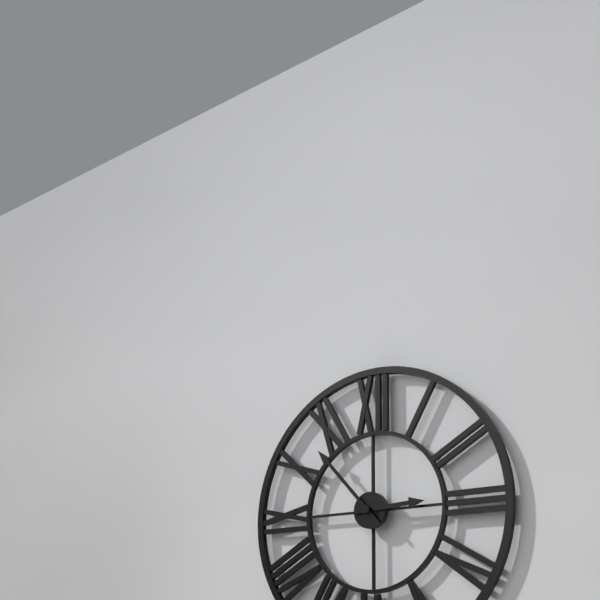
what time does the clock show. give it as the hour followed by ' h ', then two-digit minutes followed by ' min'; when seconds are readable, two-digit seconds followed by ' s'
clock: 2 h 53 min
